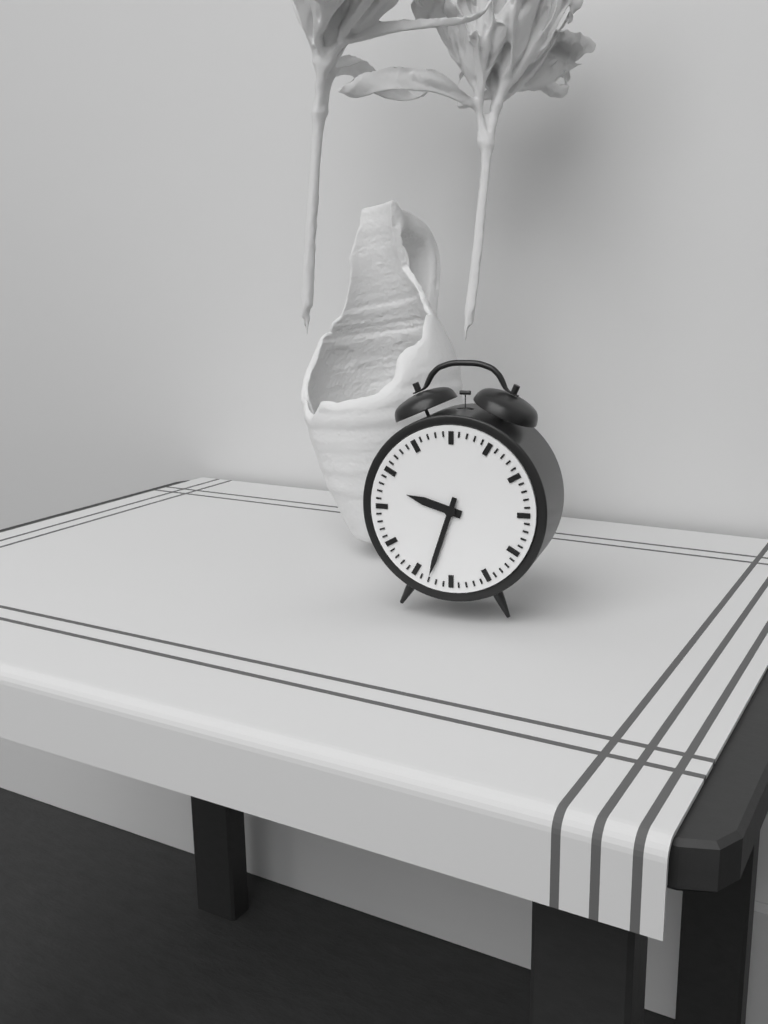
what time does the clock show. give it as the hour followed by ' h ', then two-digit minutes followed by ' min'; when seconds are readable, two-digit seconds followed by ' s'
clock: 9 h 33 min
